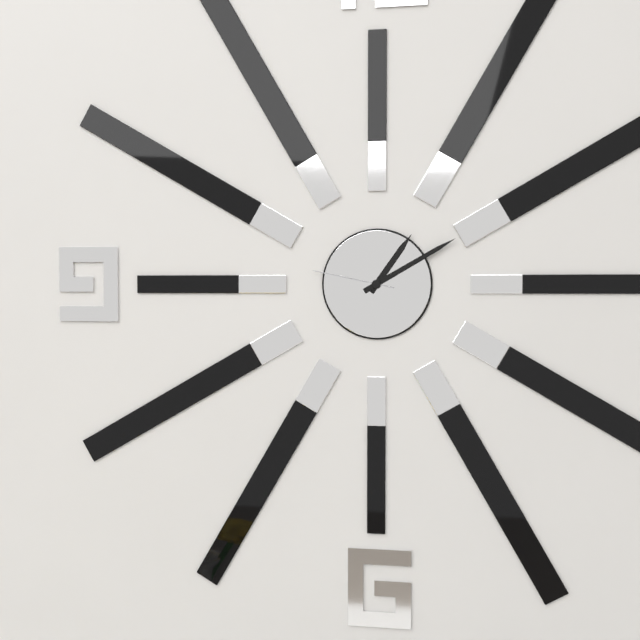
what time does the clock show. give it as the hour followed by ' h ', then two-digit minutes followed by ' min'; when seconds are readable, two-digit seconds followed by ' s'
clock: 1 h 10 min 47 s
